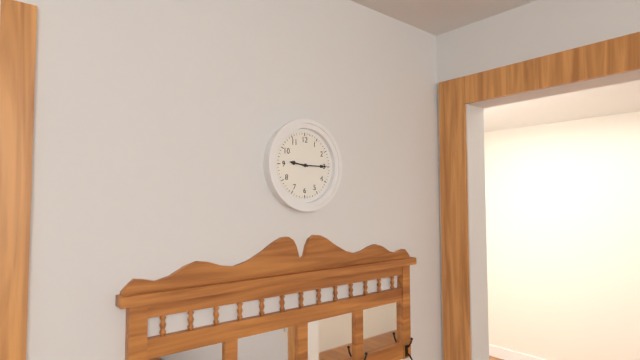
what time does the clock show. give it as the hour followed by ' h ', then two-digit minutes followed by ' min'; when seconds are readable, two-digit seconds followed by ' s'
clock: 9 h 15 min
